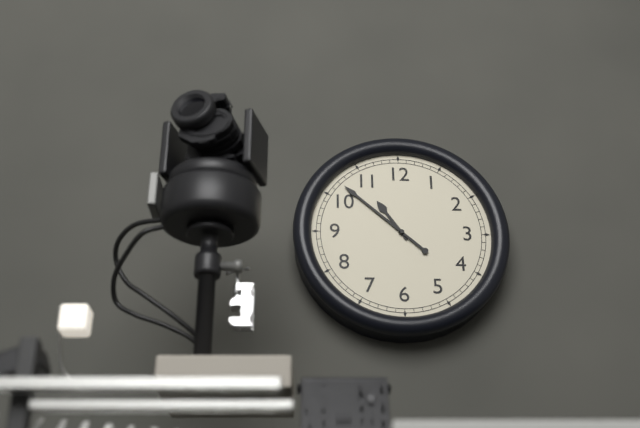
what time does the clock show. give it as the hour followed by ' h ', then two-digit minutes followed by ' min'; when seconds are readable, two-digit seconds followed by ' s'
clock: 10 h 52 min
